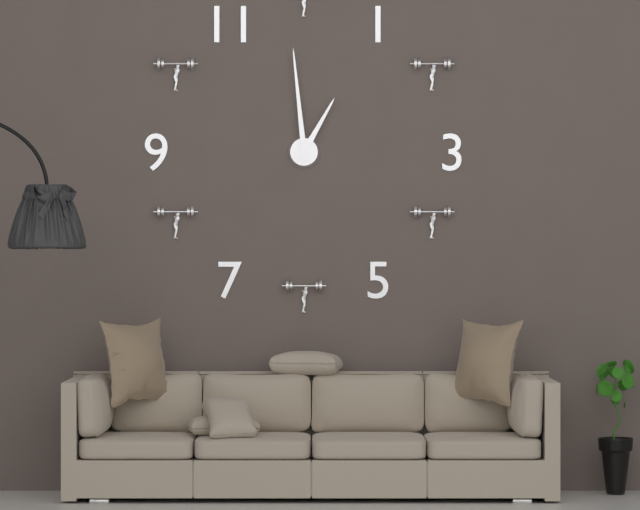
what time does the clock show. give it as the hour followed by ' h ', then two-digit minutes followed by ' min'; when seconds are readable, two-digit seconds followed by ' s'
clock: 12 h 59 min
